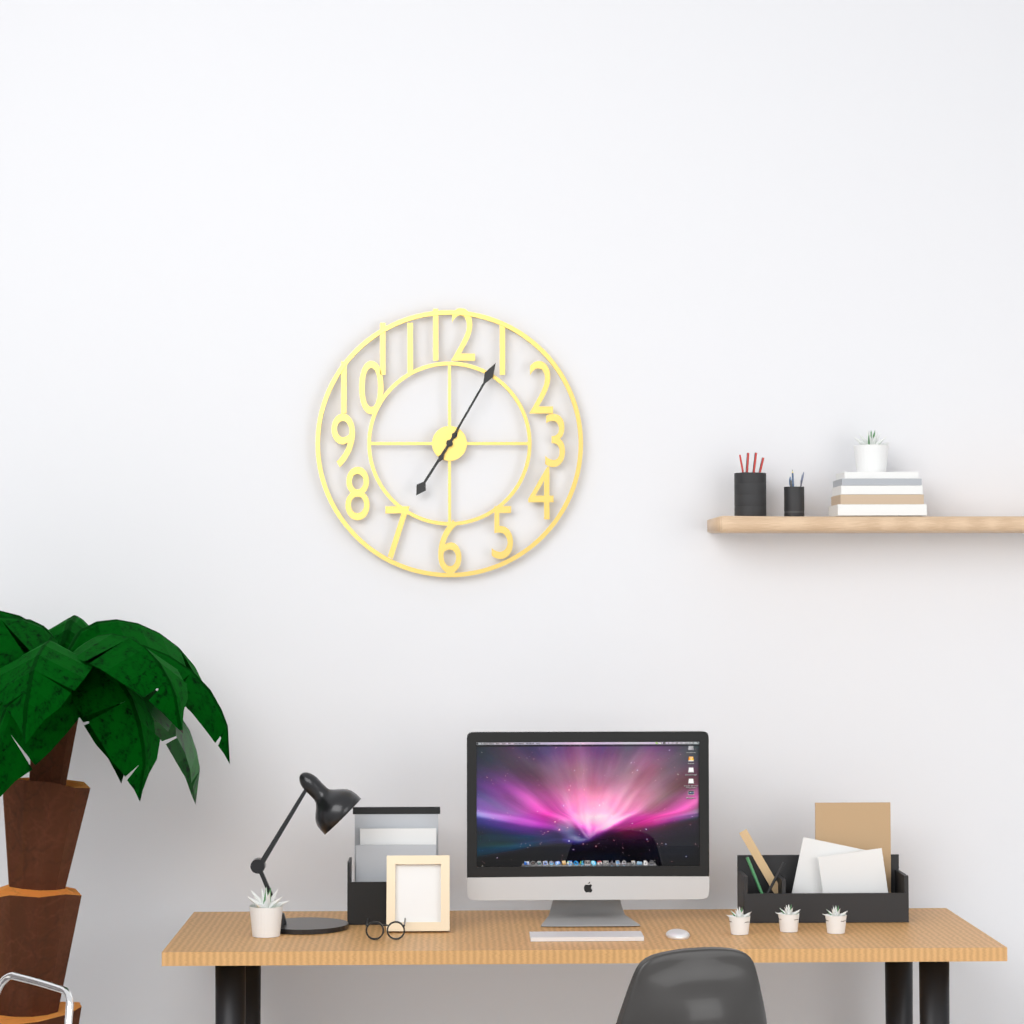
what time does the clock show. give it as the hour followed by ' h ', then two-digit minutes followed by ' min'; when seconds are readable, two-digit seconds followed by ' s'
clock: 7 h 05 min
